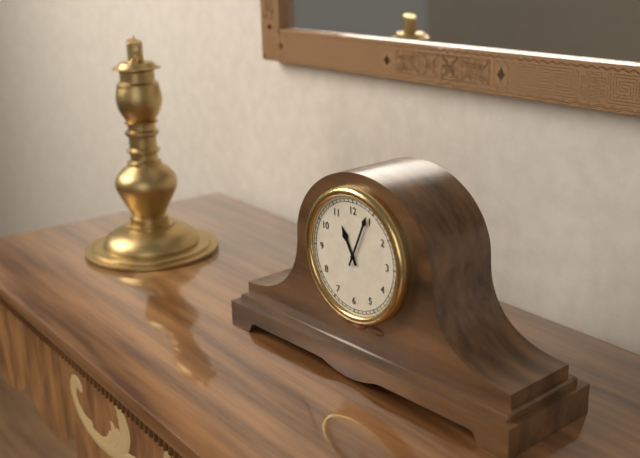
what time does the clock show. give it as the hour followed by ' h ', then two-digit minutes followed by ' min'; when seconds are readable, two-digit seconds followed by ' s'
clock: 11 h 04 min
